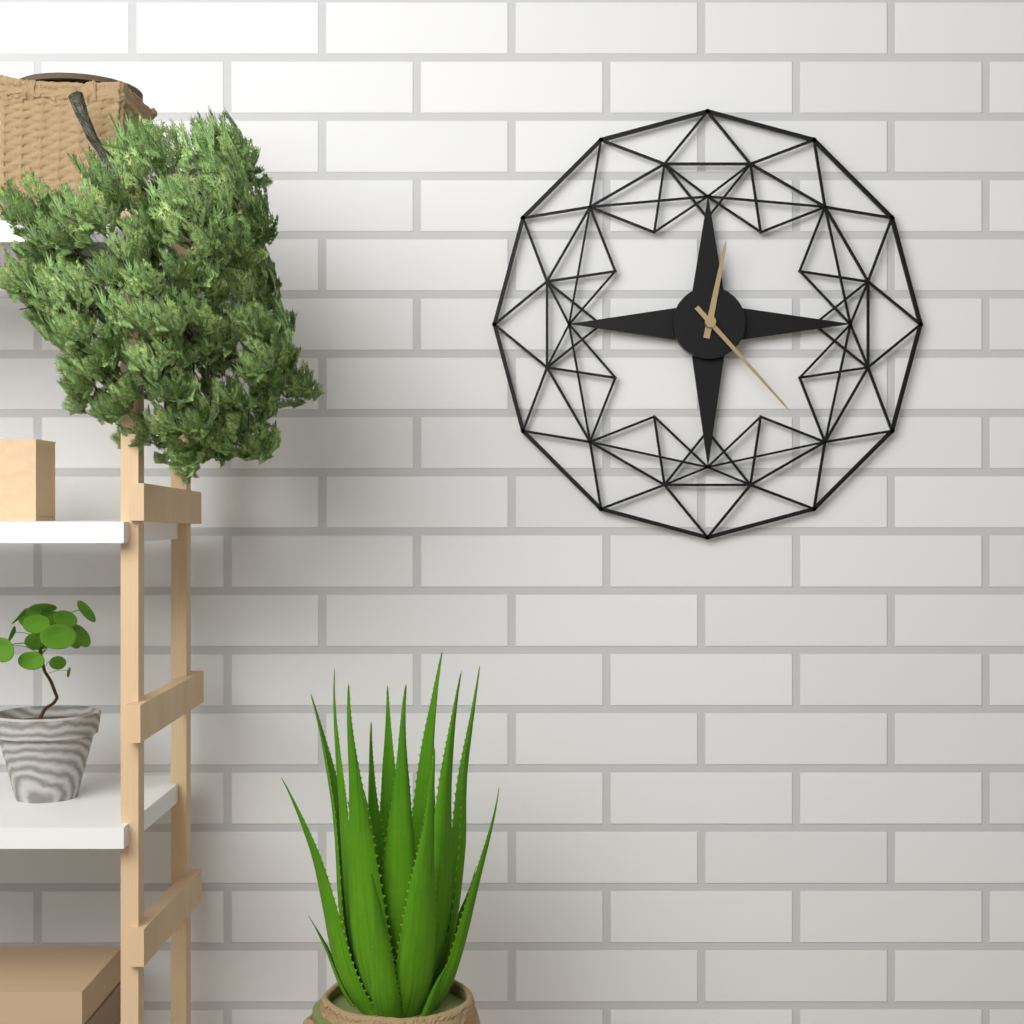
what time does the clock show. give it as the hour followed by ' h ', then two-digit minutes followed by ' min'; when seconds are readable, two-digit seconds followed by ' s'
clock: 12 h 23 min
